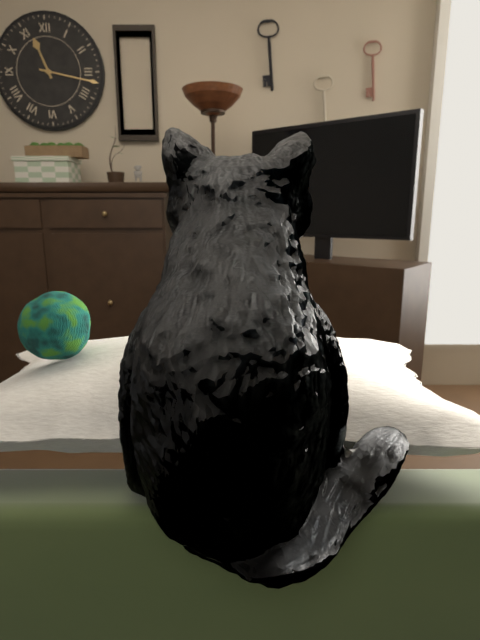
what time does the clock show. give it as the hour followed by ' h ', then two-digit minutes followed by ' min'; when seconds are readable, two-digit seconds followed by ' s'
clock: 11 h 17 min
